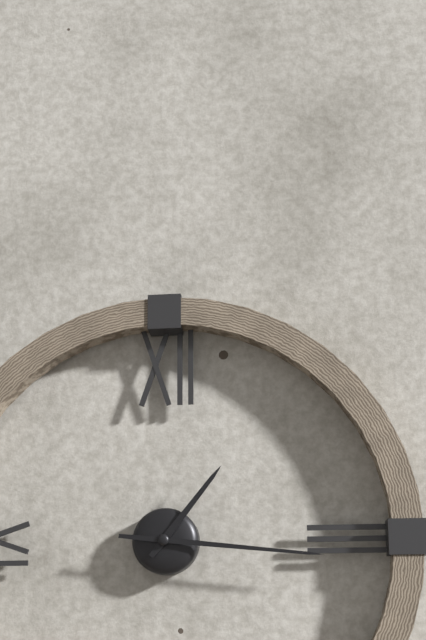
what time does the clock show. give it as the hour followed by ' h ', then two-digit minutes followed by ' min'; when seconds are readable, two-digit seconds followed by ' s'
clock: 1 h 16 min
